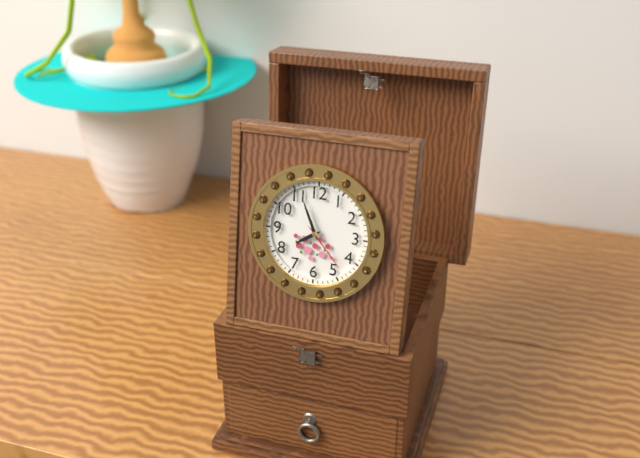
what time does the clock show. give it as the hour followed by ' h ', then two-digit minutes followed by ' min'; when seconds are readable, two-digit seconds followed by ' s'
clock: 7 h 56 min 23 s
